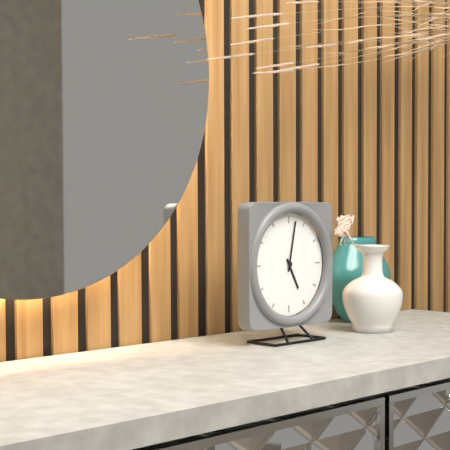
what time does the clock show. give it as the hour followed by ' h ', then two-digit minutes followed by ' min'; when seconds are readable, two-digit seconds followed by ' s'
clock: 5 h 02 min
